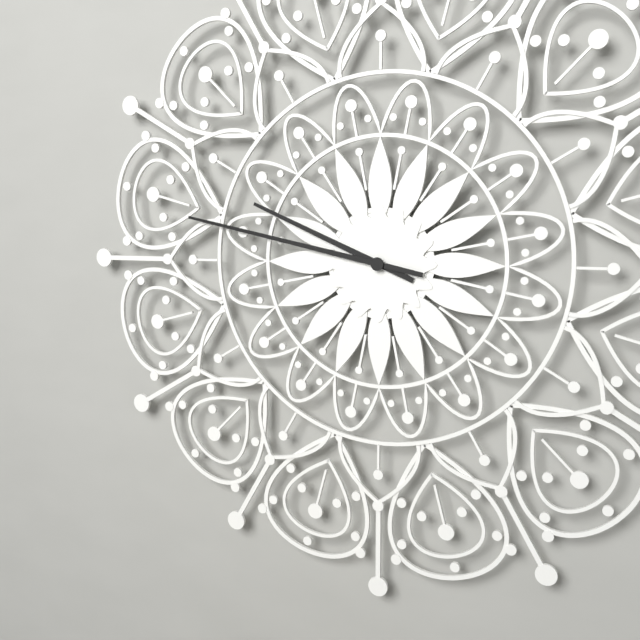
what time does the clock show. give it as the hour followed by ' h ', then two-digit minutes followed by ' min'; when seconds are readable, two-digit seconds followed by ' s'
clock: 9 h 47 min
